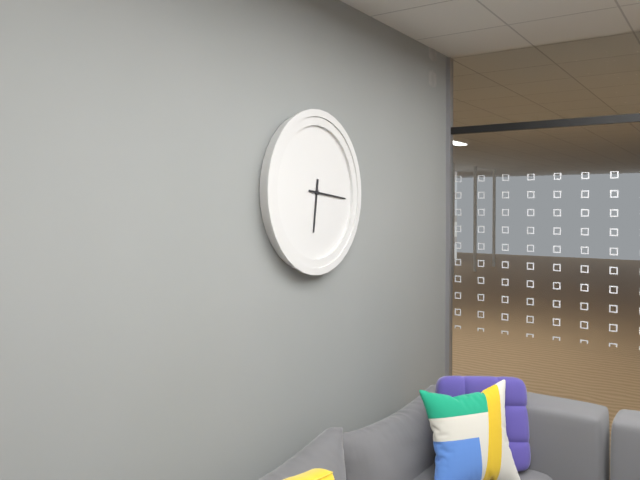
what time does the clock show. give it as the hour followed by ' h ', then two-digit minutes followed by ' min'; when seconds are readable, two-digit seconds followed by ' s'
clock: 6 h 16 min
